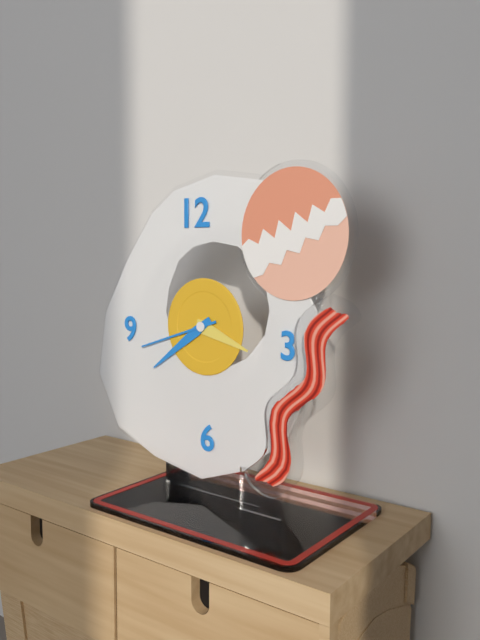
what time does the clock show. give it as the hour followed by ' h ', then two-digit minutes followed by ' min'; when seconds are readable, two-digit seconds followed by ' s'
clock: 3 h 39 min 42 s
